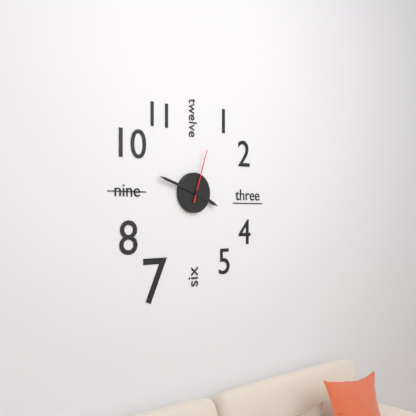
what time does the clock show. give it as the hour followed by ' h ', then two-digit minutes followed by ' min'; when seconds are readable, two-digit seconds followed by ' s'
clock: 3 h 48 min 03 s
